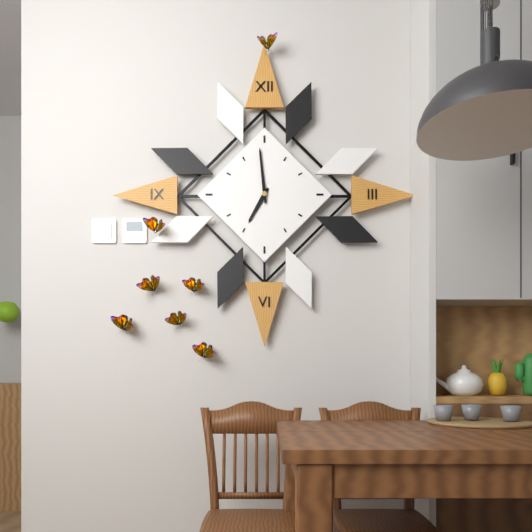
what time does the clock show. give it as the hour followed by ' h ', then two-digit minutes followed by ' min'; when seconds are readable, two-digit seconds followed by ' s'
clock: 6 h 59 min
